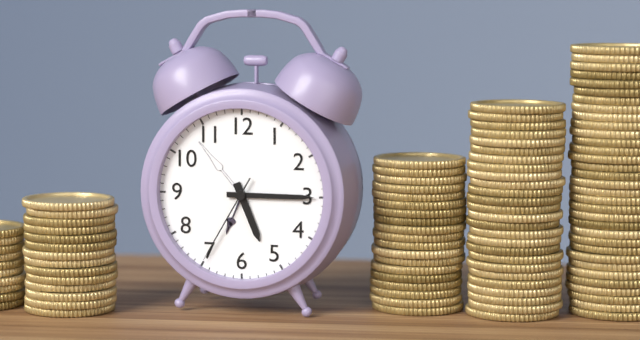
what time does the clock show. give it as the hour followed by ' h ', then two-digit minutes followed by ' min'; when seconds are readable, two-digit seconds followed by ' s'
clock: 5 h 15 min 35 s
